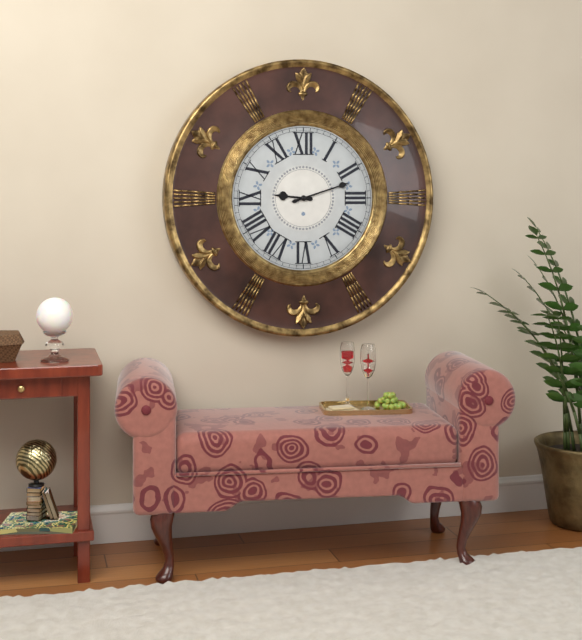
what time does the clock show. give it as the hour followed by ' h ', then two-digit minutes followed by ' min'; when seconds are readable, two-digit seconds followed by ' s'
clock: 9 h 12 min
